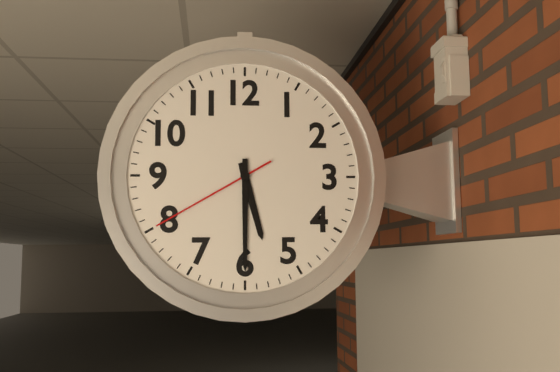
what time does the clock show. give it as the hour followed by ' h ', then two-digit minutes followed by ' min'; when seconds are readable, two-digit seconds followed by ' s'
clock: 5 h 30 min 40 s
